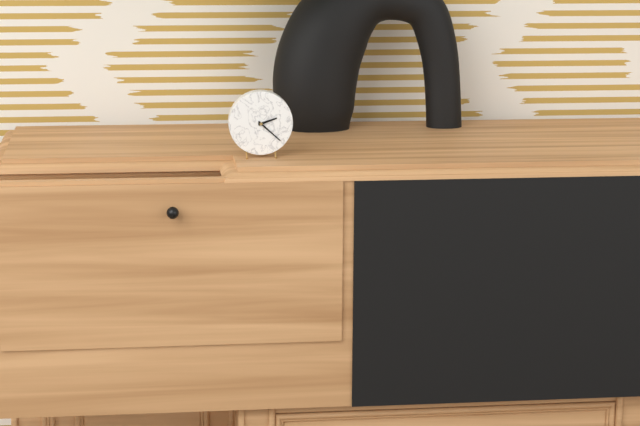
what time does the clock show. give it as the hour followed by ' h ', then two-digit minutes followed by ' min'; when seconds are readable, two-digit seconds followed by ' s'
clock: 2 h 22 min
